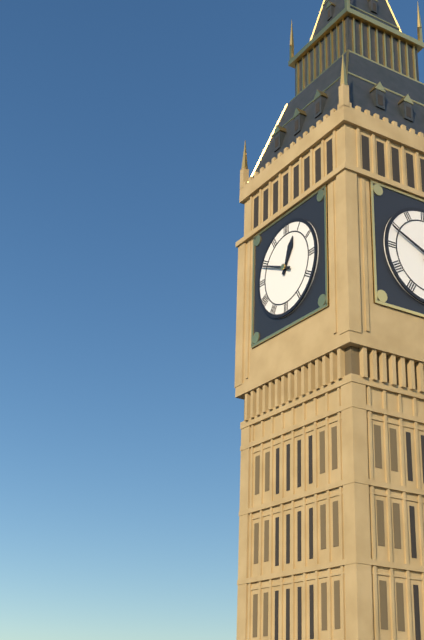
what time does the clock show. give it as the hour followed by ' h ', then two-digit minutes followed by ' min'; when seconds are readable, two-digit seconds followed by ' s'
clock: 12 h 49 min
